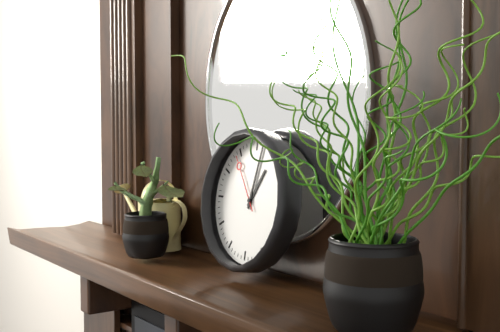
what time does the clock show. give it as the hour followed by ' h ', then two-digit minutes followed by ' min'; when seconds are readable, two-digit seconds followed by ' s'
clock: 1 h 02 min 54 s
